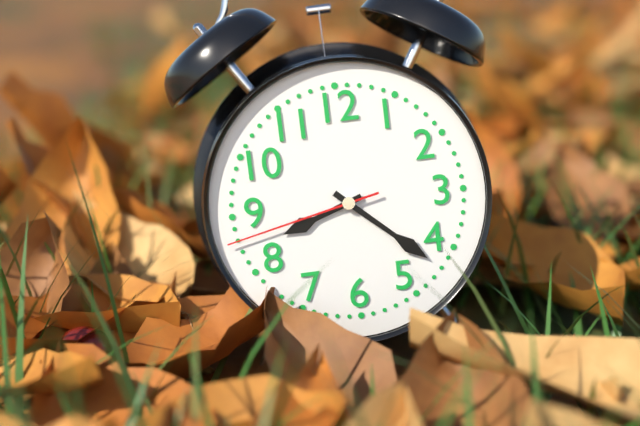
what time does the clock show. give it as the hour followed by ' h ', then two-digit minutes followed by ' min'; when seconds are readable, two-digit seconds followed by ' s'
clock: 8 h 22 min 43 s
